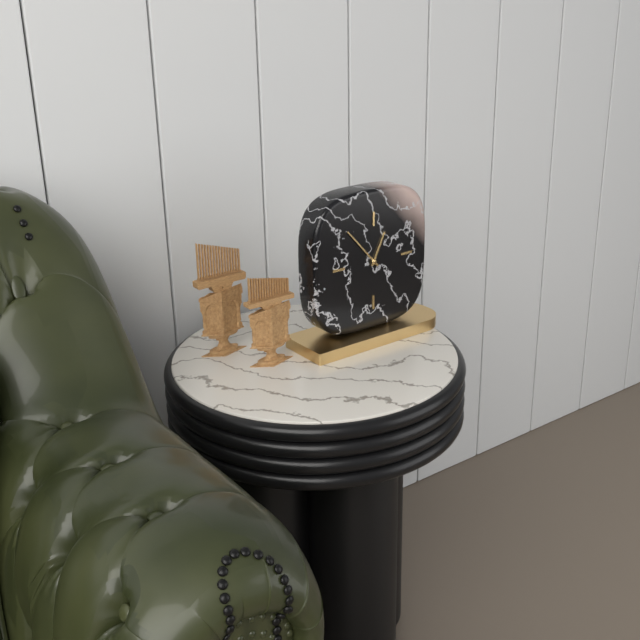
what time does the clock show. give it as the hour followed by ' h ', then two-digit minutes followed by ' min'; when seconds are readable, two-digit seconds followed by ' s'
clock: 12 h 53 min
